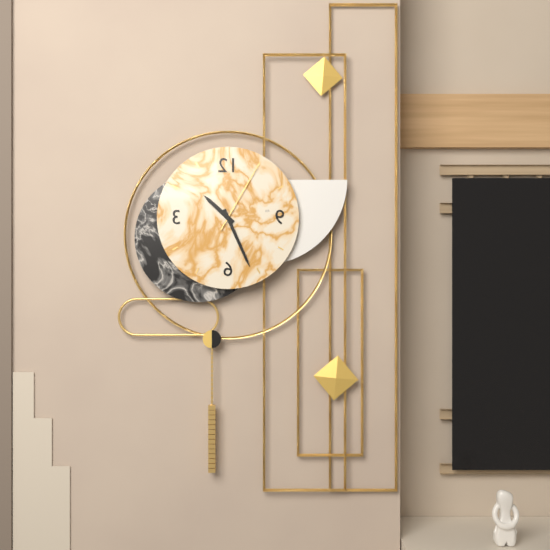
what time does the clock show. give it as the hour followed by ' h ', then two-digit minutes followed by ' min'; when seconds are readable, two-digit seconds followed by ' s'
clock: 10 h 26 min 05 s
